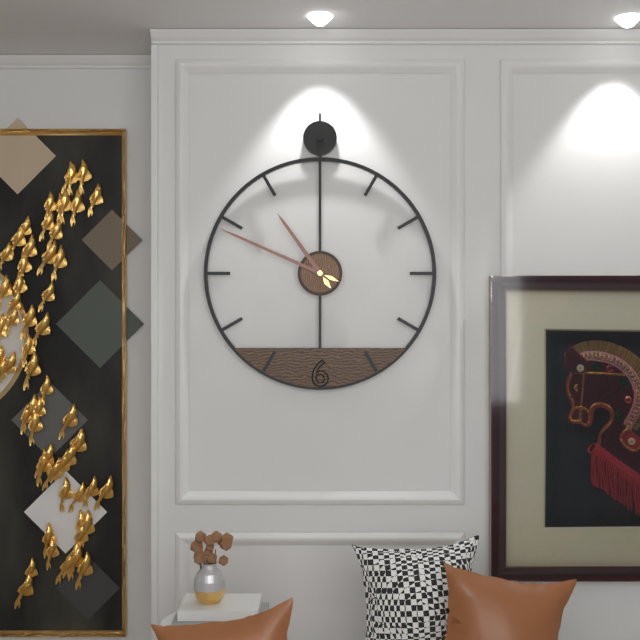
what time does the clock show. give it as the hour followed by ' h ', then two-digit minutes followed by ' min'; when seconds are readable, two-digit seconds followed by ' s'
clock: 10 h 49 min
